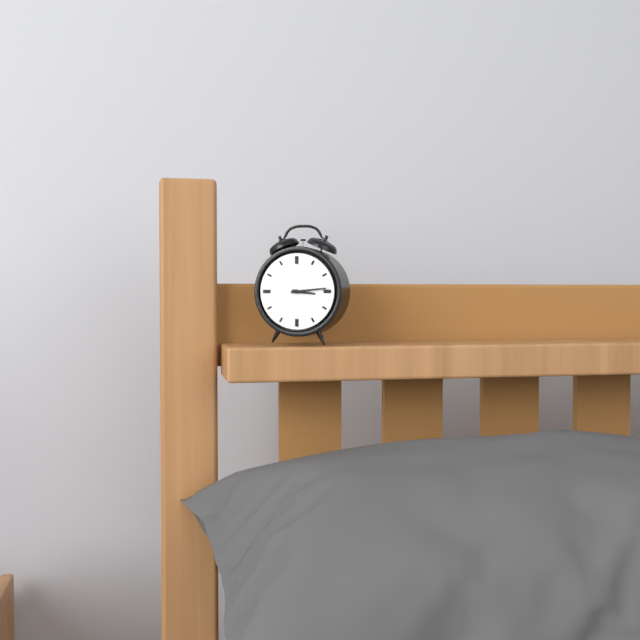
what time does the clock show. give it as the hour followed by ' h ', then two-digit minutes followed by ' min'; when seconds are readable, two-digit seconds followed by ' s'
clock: 3 h 14 min
